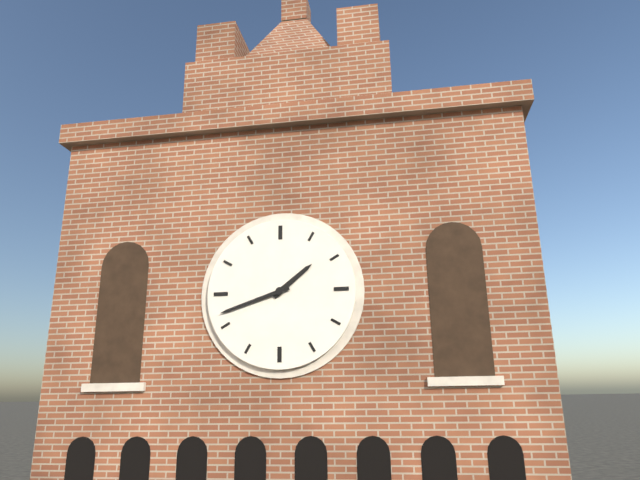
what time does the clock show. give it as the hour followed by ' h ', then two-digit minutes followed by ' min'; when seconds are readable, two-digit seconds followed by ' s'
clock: 1 h 42 min
